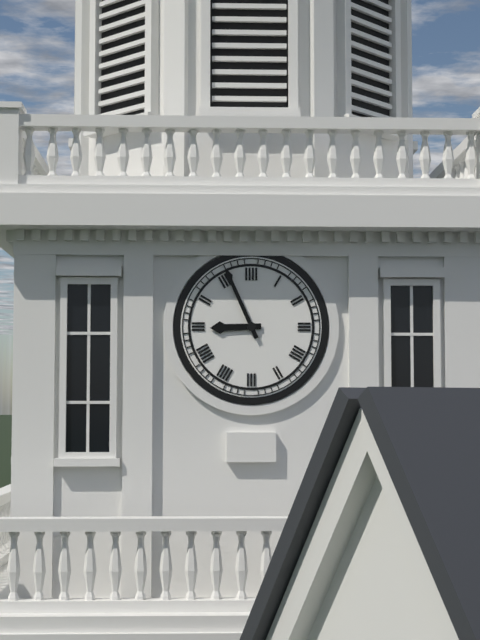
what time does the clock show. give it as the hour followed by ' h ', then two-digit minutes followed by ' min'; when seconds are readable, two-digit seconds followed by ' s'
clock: 8 h 56 min
